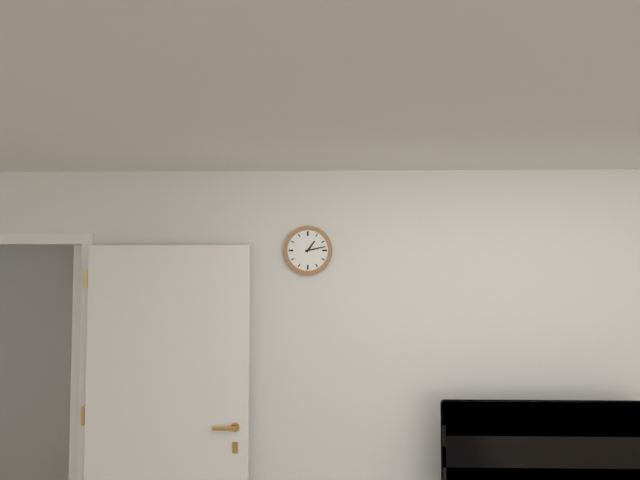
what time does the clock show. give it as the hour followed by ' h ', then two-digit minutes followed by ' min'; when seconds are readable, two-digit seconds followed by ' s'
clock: 1 h 13 min
